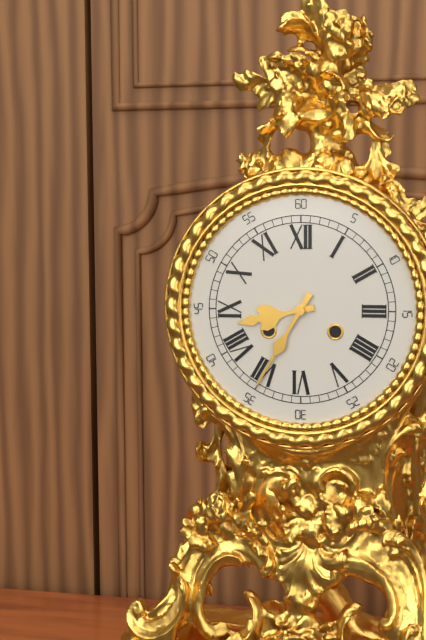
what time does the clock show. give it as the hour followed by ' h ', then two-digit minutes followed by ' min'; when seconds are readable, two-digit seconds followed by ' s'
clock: 8 h 35 min
